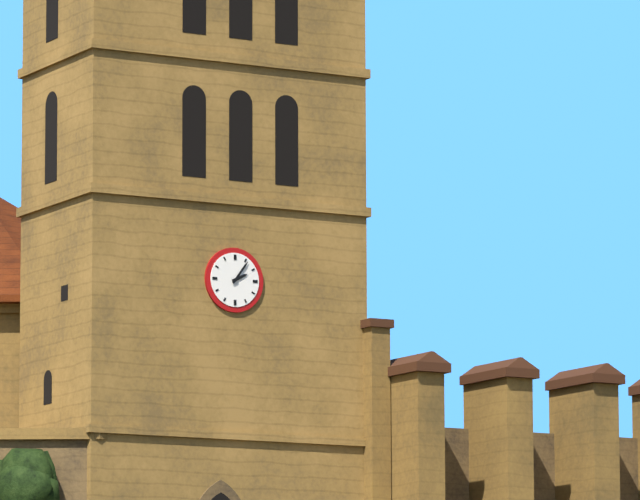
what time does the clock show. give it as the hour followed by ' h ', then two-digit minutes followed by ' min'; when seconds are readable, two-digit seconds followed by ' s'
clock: 2 h 06 min
